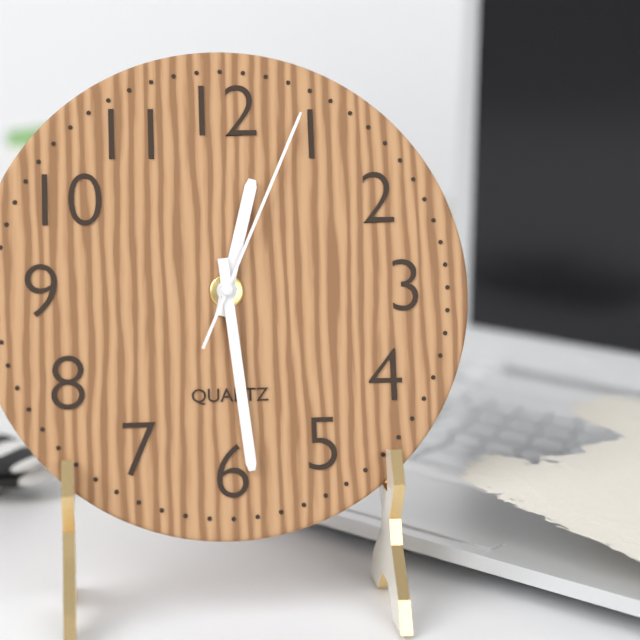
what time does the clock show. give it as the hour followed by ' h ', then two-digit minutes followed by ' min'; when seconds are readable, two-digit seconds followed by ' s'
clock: 12 h 29 min 04 s
